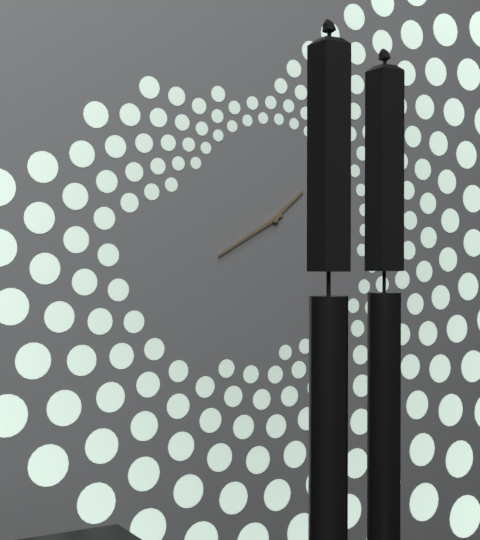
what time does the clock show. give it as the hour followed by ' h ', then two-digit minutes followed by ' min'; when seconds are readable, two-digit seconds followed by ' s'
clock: 1 h 40 min
